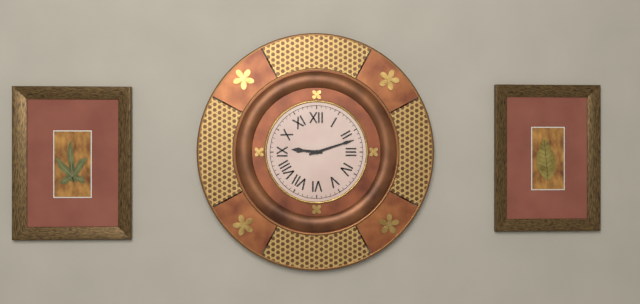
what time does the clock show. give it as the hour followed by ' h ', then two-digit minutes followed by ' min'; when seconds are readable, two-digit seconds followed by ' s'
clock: 9 h 12 min
